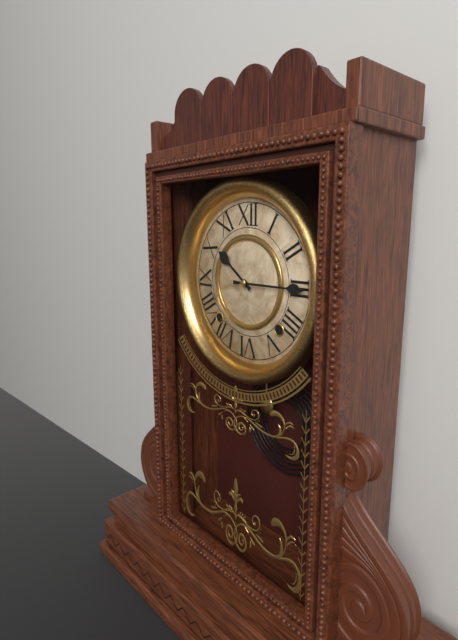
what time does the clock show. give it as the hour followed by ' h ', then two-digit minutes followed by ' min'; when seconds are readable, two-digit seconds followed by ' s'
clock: 10 h 15 min
